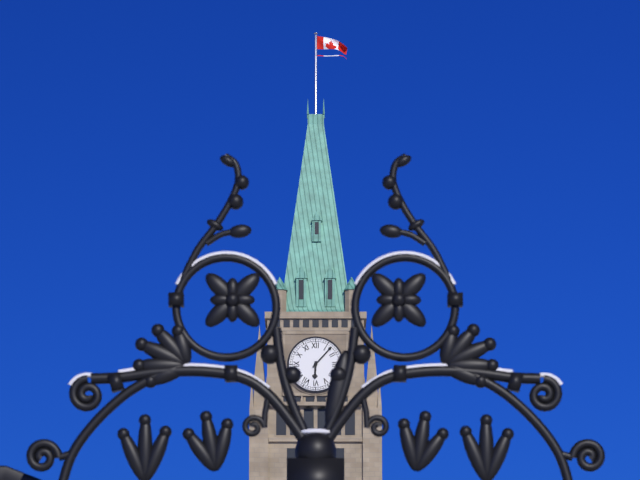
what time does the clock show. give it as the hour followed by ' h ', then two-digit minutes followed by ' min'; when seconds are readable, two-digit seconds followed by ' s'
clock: 6 h 07 min
